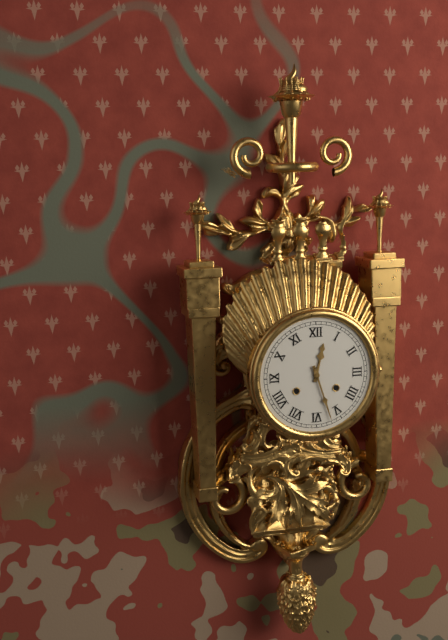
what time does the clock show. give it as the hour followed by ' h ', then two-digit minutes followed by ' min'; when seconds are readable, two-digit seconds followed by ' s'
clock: 12 h 27 min
